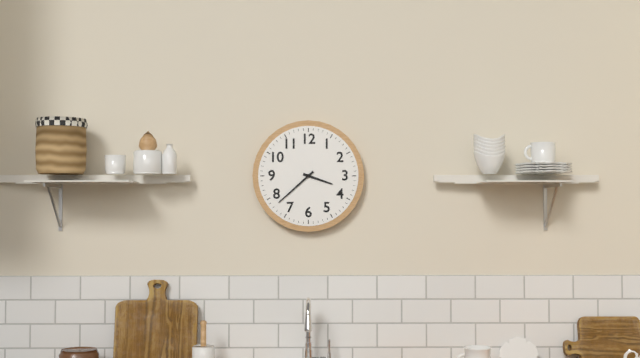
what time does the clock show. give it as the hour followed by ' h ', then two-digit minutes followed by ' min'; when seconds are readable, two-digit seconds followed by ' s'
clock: 3 h 38 min
